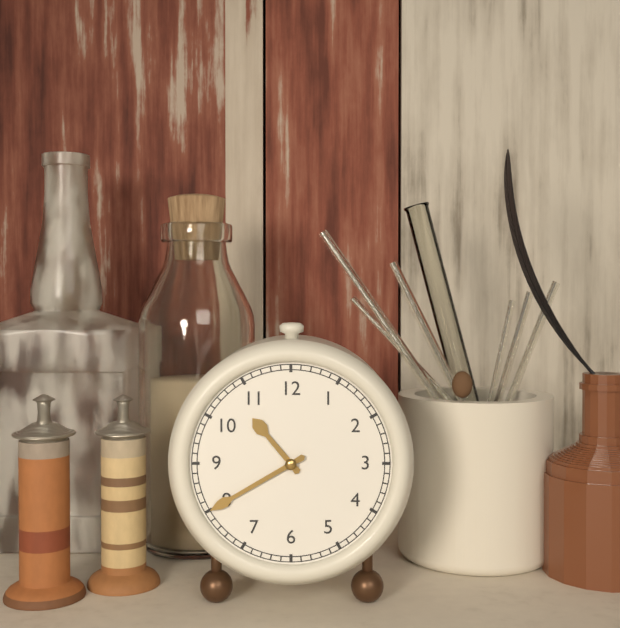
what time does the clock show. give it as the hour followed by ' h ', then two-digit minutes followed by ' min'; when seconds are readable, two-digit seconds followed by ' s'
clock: 10 h 40 min
